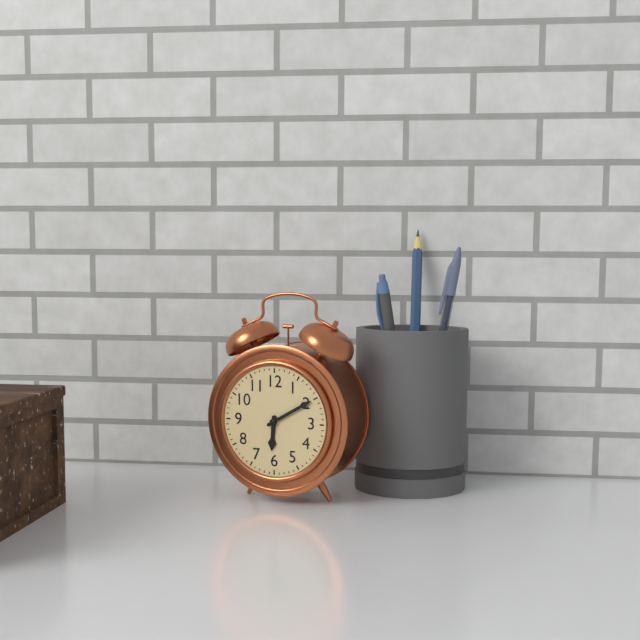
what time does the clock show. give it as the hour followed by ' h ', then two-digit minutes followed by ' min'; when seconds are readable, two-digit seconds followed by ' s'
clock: 6 h 10 min
